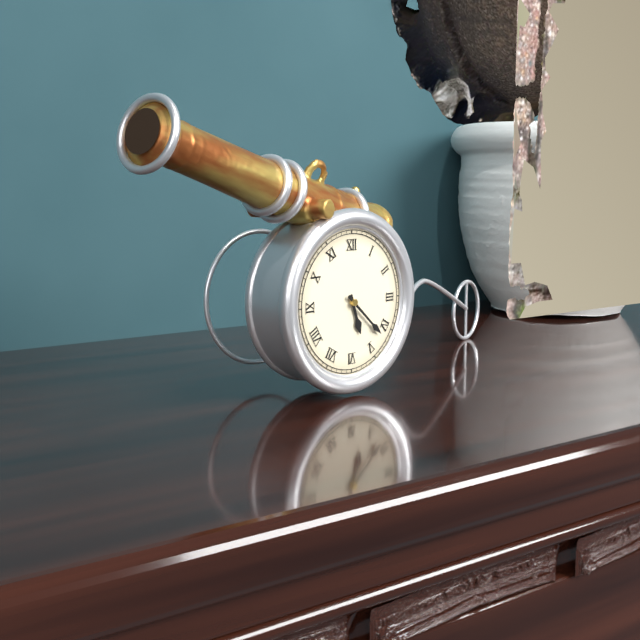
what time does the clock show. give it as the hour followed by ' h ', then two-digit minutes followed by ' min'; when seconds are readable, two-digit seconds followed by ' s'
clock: 5 h 22 min
